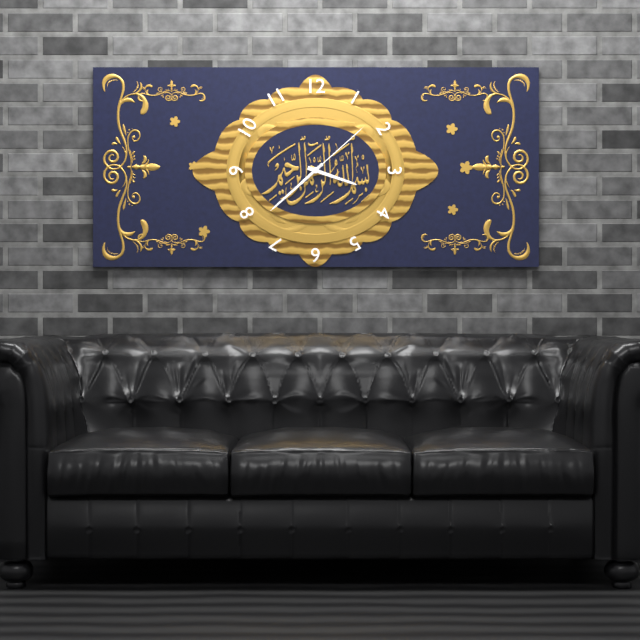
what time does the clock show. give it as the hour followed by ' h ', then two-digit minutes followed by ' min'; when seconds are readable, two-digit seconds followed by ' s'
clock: 3 h 38 min 08 s
